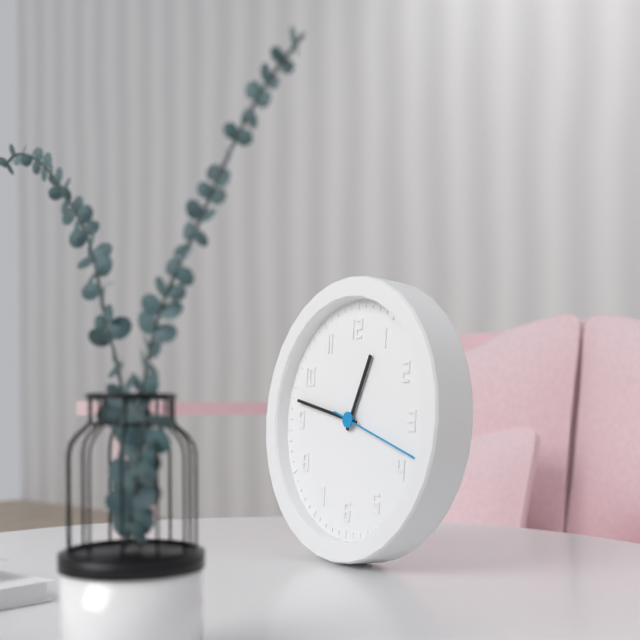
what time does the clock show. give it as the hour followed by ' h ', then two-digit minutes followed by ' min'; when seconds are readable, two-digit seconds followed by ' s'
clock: 12 h 47 min 18 s
